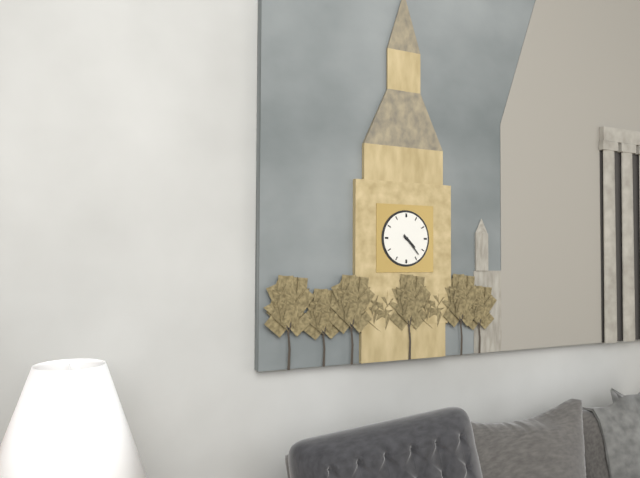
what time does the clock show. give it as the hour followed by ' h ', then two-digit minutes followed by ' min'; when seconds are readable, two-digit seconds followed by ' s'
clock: 4 h 23 min
